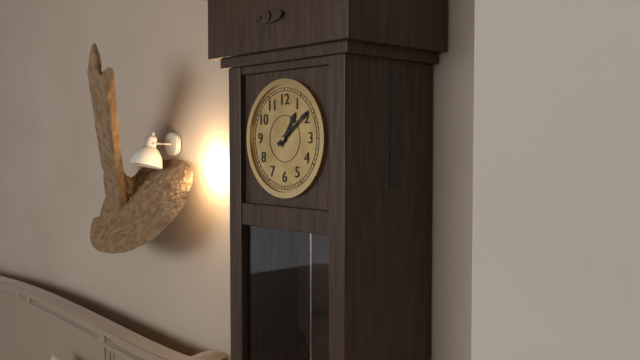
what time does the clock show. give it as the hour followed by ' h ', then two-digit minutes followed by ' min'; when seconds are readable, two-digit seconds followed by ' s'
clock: 1 h 09 min
